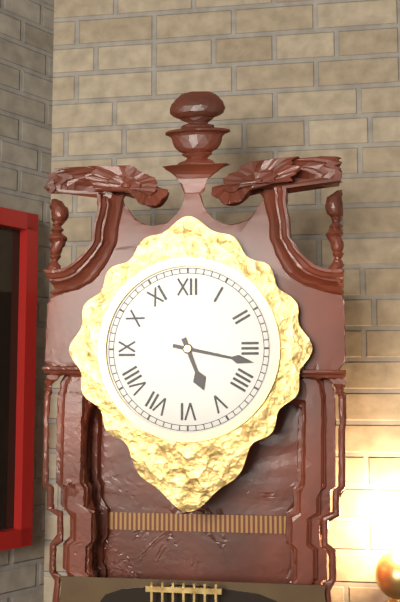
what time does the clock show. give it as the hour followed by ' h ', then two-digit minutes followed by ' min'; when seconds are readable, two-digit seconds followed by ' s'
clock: 5 h 17 min
